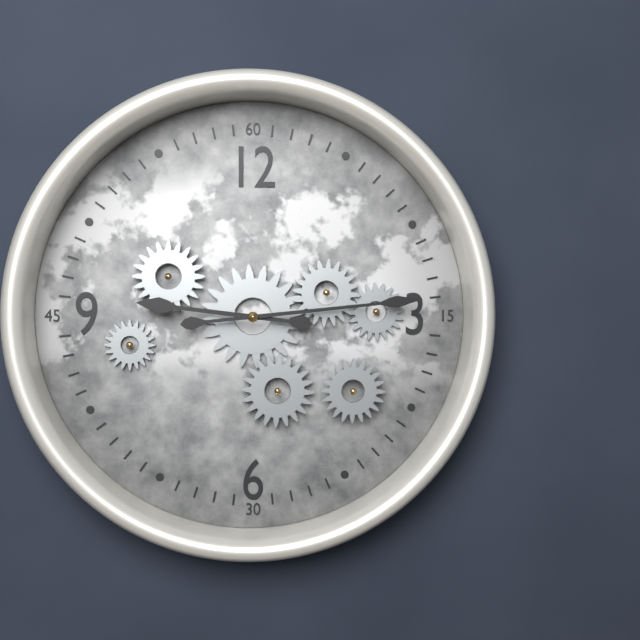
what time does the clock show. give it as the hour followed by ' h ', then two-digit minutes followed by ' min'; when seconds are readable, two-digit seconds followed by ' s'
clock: 9 h 14 min
